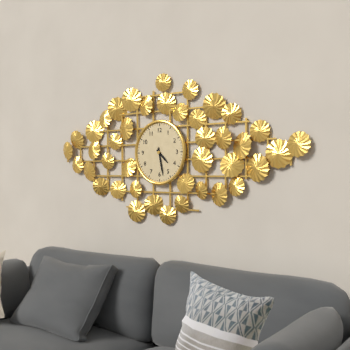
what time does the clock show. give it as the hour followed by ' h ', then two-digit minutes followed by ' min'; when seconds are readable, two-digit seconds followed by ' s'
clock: 4 h 28 min
